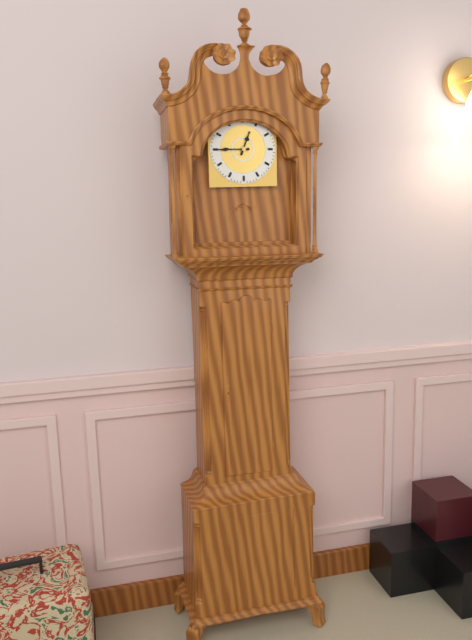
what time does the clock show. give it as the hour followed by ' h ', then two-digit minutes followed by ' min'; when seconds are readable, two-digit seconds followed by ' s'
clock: 12 h 45 min
